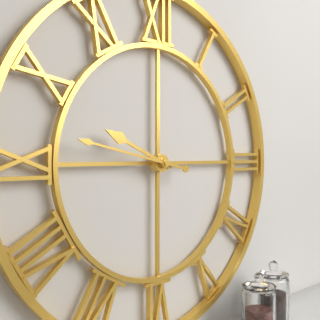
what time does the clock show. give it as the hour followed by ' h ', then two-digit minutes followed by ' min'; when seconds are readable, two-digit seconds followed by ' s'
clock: 9 h 47 min
